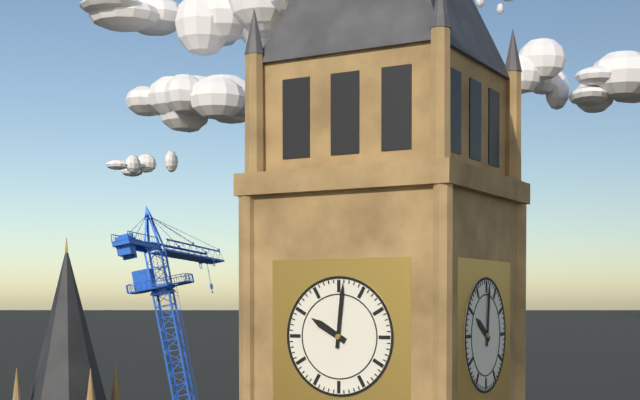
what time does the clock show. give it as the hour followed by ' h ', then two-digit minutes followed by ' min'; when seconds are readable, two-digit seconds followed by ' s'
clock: 10 h 01 min
